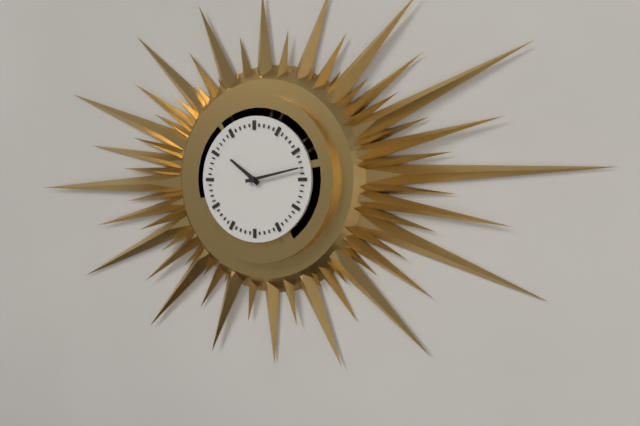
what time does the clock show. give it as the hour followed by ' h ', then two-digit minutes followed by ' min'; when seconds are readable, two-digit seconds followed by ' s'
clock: 10 h 13 min
